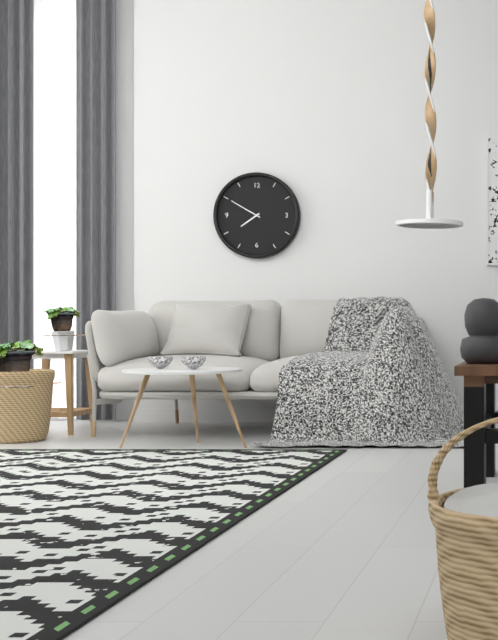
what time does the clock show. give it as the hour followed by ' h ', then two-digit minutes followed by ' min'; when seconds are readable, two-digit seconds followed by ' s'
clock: 7 h 50 min
